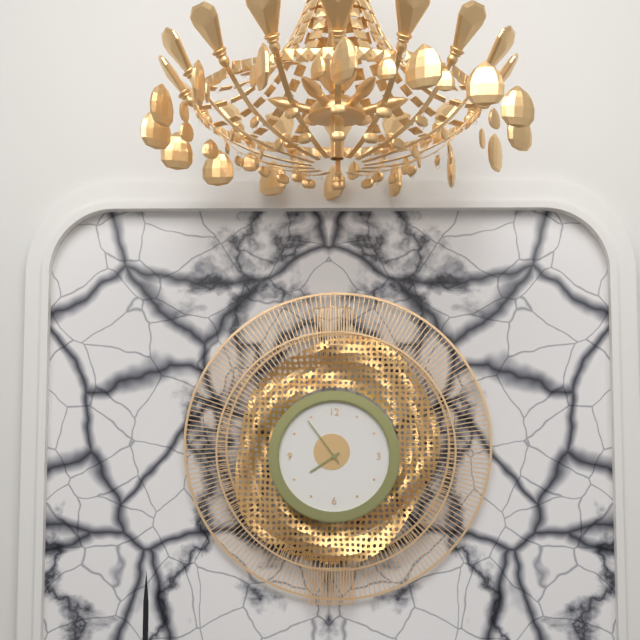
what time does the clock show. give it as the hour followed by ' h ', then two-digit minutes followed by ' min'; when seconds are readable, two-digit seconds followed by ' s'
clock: 7 h 54 min
